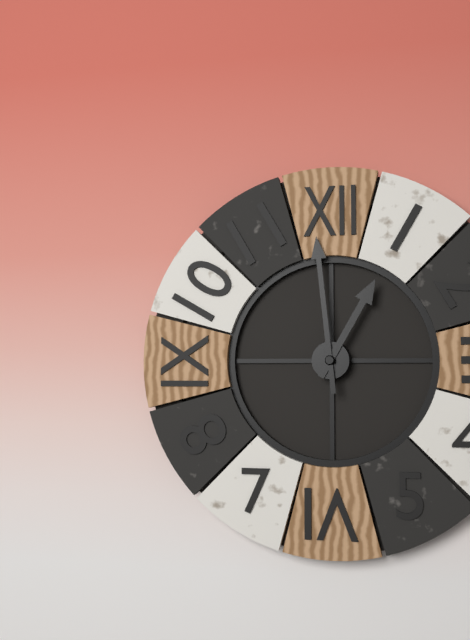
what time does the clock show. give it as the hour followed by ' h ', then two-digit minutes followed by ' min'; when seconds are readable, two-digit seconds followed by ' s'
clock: 12 h 59 min
